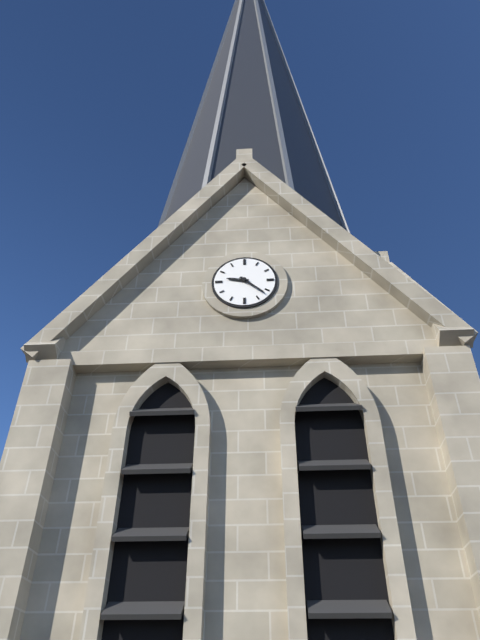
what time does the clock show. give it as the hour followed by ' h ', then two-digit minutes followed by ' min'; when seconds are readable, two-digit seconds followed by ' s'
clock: 9 h 22 min
